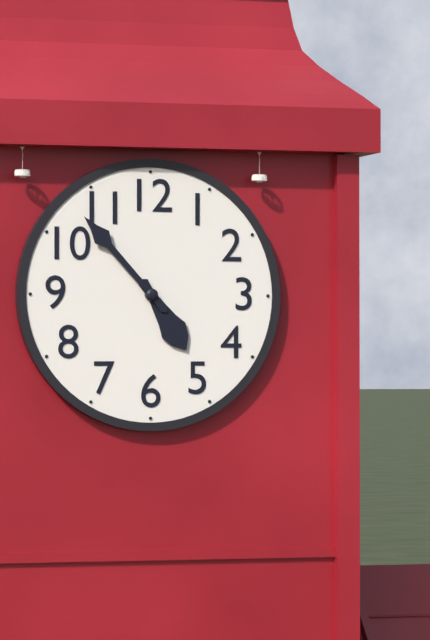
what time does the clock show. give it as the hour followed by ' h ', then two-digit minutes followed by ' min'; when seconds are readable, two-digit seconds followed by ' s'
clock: 4 h 53 min
